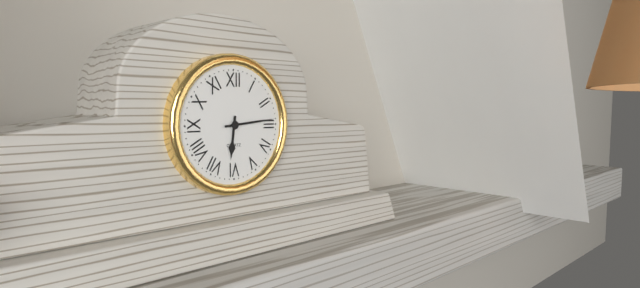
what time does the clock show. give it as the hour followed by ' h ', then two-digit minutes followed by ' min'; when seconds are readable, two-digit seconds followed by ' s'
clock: 6 h 14 min
